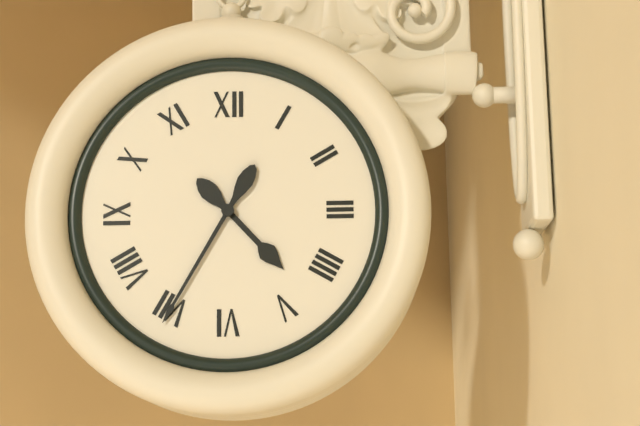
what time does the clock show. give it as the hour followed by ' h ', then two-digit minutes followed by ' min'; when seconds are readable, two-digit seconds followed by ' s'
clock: 4 h 35 min
